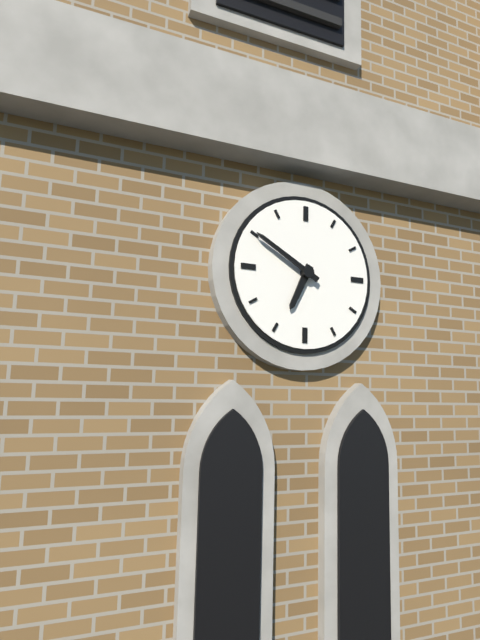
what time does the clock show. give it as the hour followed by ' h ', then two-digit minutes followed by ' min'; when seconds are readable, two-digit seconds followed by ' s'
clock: 6 h 50 min
